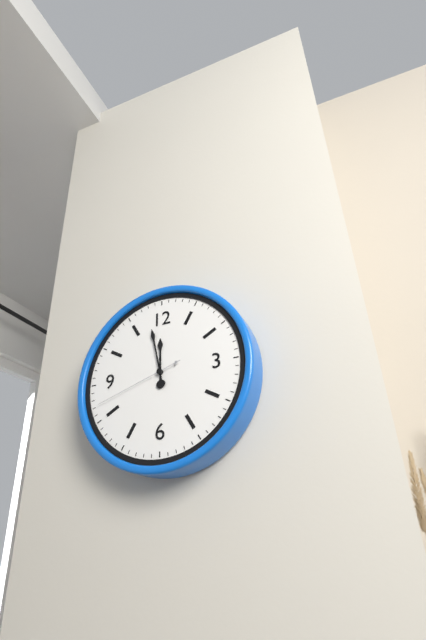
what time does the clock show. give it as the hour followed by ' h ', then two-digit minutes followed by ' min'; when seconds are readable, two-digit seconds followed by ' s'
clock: 11 h 58 min 42 s
